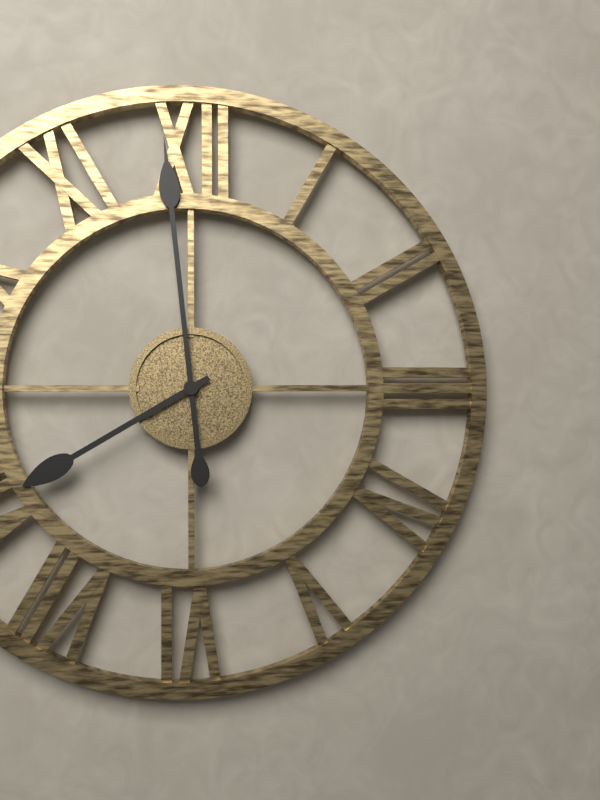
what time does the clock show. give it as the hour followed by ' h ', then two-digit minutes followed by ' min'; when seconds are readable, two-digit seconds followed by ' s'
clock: 7 h 59 min
